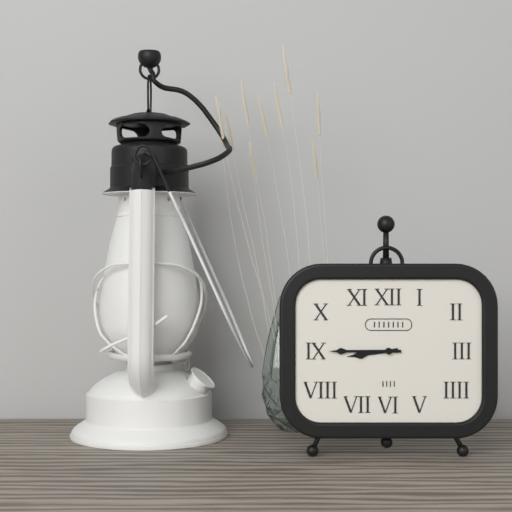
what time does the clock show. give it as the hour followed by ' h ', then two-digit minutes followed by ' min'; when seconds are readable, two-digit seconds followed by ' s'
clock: 8 h 45 min
